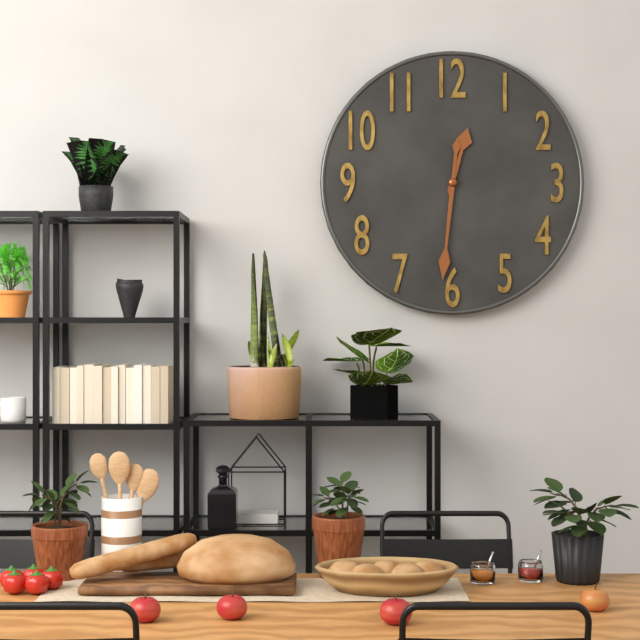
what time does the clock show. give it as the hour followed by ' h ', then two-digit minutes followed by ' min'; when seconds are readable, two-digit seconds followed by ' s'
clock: 12 h 31 min
